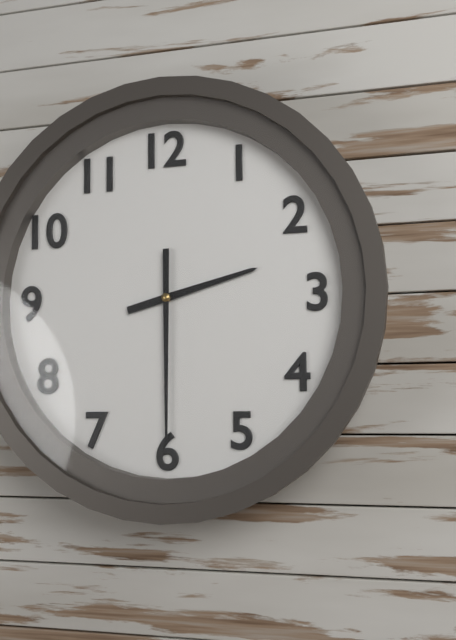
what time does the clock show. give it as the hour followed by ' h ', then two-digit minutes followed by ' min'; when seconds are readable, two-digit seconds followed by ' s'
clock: 2 h 30 min
